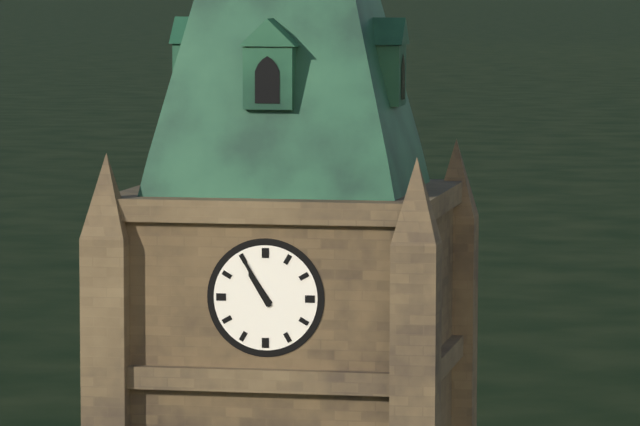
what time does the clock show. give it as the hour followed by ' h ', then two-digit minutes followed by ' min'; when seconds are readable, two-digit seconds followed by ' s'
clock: 10 h 55 min
